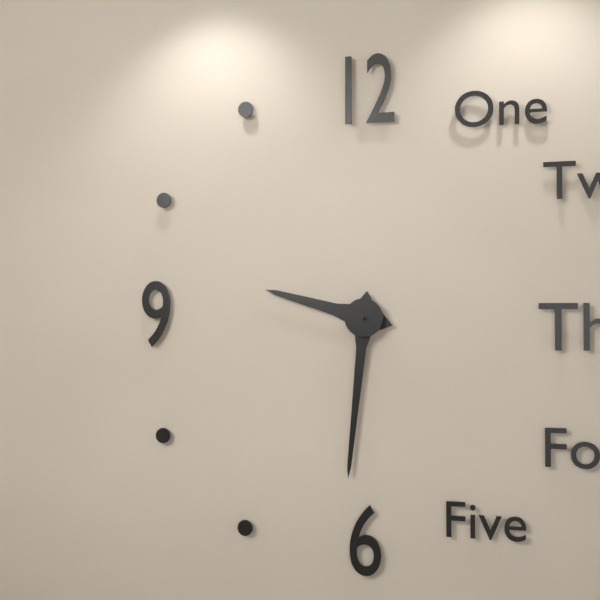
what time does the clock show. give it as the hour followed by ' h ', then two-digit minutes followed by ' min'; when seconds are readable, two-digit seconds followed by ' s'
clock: 9 h 31 min
